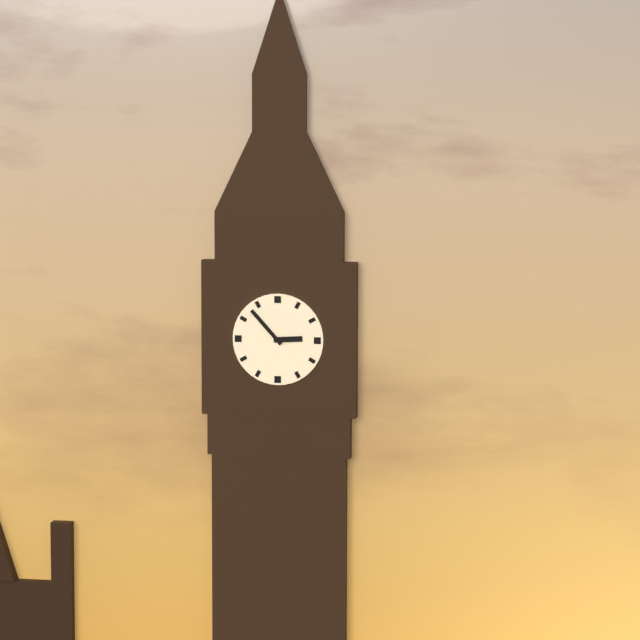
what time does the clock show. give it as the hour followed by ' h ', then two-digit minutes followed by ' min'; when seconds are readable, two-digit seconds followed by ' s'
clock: 2 h 53 min
